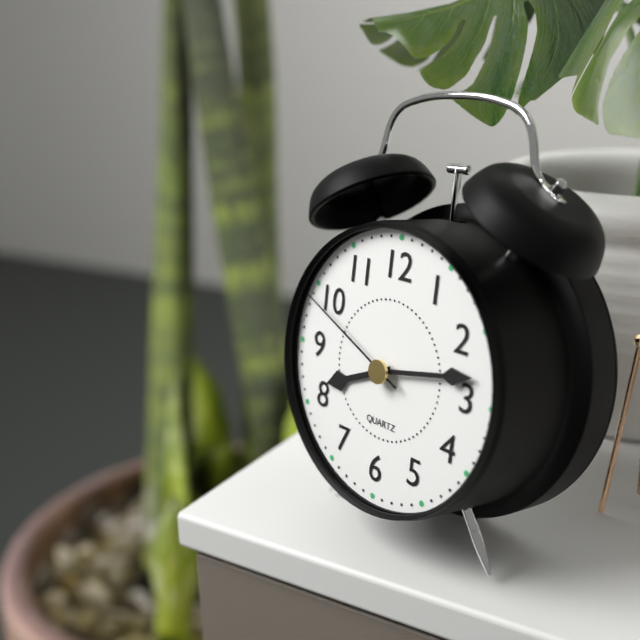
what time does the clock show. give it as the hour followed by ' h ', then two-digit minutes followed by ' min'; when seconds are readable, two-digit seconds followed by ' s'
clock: 8 h 13 min 49 s
